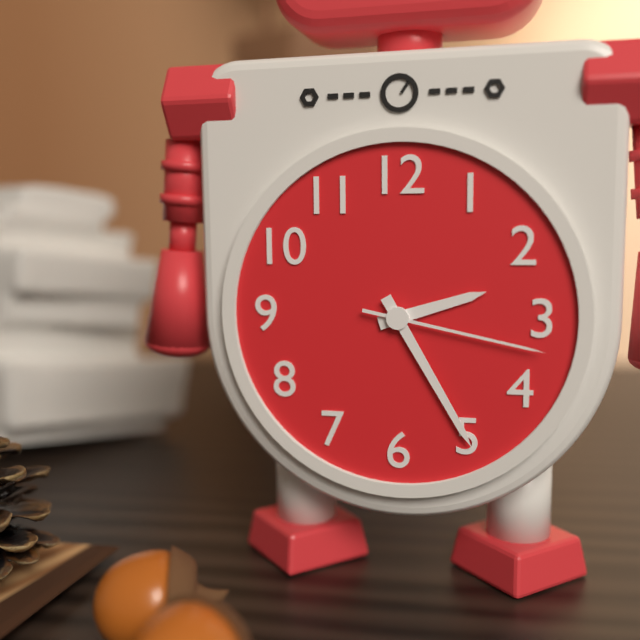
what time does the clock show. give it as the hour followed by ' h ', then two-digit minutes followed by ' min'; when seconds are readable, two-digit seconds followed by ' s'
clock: 2 h 25 min 17 s
